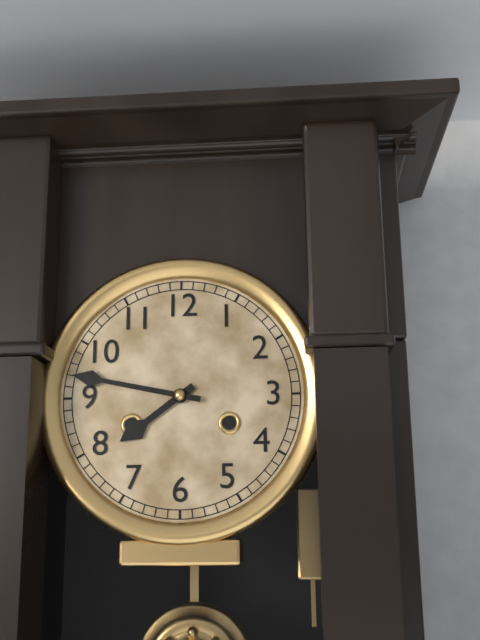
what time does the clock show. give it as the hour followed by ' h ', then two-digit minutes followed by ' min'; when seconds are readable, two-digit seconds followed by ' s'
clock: 7 h 47 min
